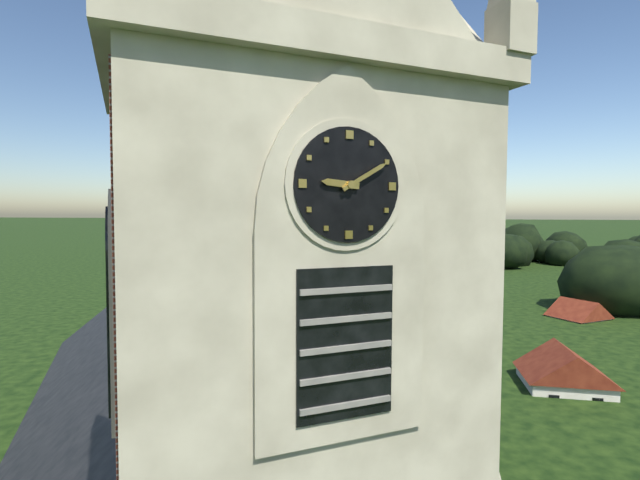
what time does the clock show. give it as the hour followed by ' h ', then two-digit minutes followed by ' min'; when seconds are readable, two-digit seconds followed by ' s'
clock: 9 h 10 min
